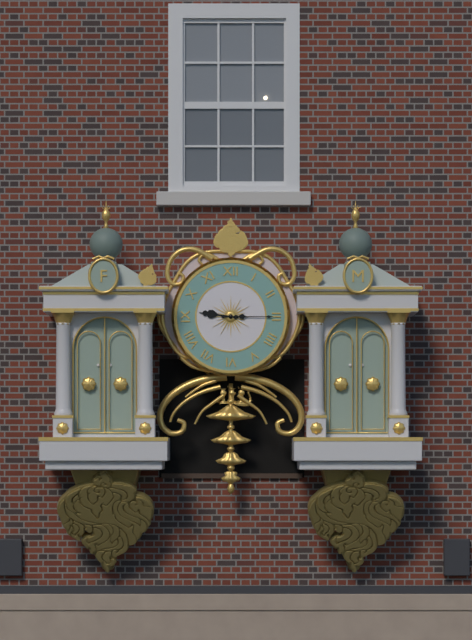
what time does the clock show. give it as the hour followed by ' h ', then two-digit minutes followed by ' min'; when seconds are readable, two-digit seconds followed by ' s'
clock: 9 h 15 min
